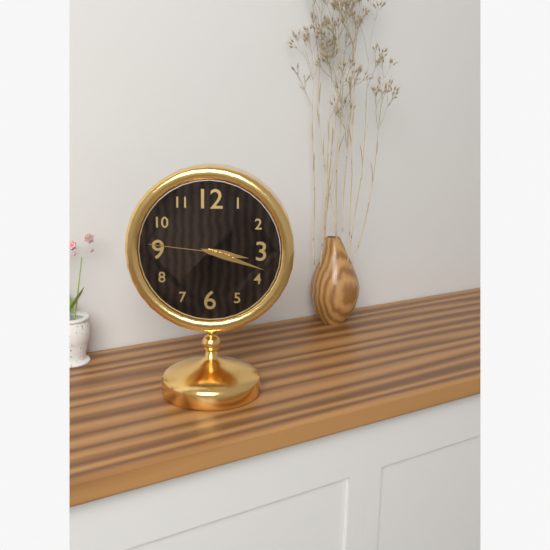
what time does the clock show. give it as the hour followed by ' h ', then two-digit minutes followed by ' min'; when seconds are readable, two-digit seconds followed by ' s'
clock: 3 h 18 min 46 s
